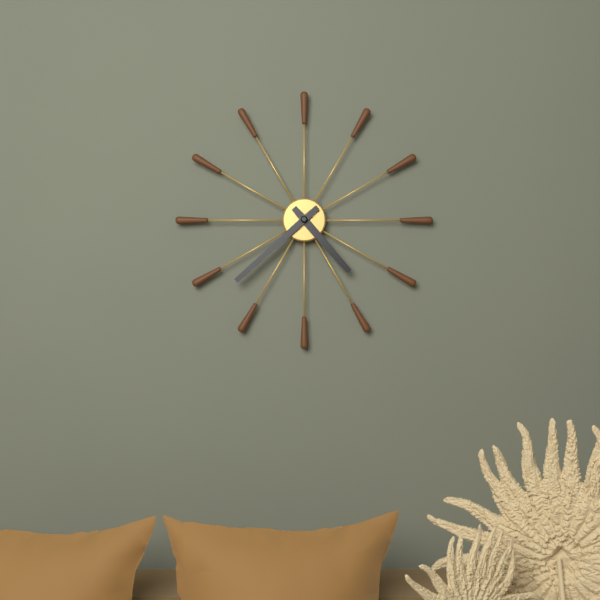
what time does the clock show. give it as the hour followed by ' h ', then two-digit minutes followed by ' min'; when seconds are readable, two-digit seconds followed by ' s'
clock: 4 h 38 min
